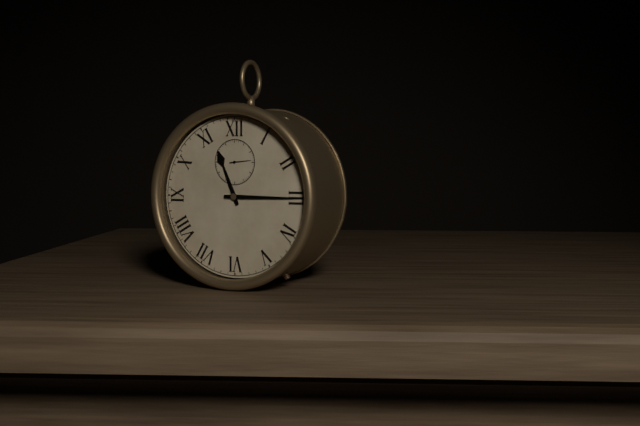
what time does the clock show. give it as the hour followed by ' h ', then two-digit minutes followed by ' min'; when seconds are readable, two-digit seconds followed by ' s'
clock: 11 h 15 min
